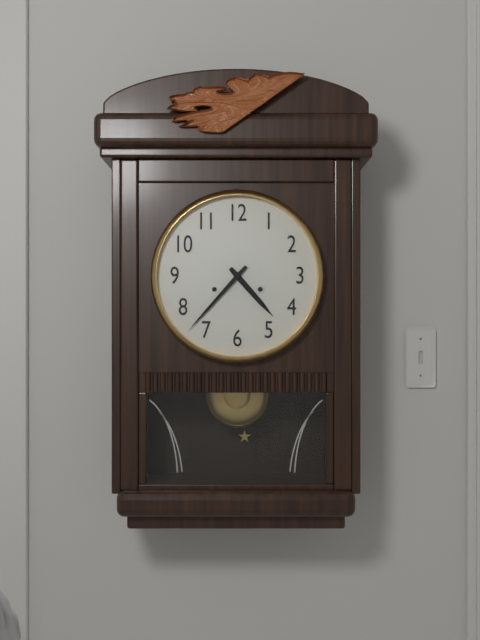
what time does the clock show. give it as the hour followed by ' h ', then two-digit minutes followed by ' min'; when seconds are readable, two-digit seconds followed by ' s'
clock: 4 h 37 min
